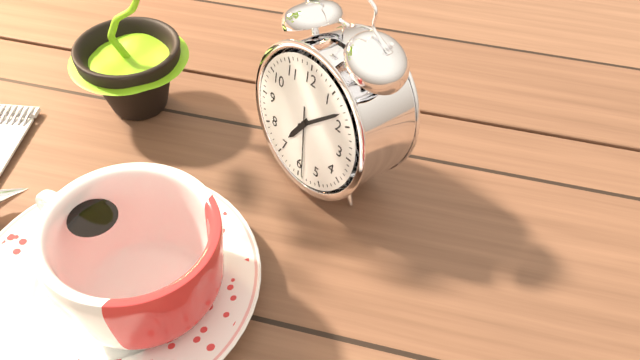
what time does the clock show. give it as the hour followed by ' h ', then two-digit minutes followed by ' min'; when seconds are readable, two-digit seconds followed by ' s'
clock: 7 h 08 min 29 s
